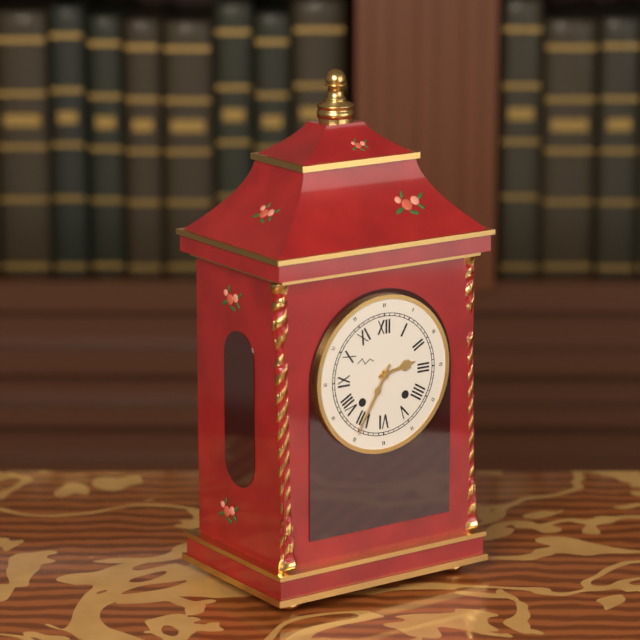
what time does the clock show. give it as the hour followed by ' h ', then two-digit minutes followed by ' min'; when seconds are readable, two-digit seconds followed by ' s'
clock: 2 h 35 min
